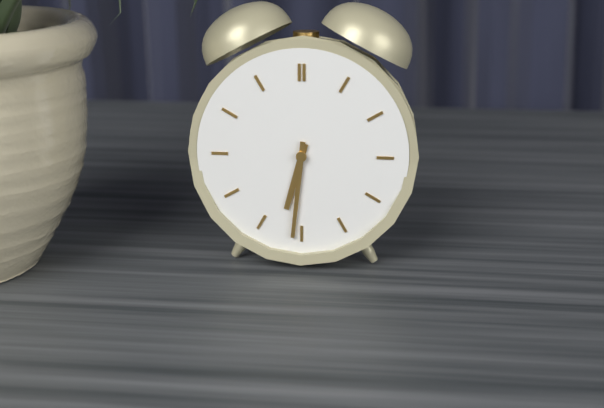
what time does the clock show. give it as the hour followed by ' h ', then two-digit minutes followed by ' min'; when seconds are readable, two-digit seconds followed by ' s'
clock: 6 h 31 min
